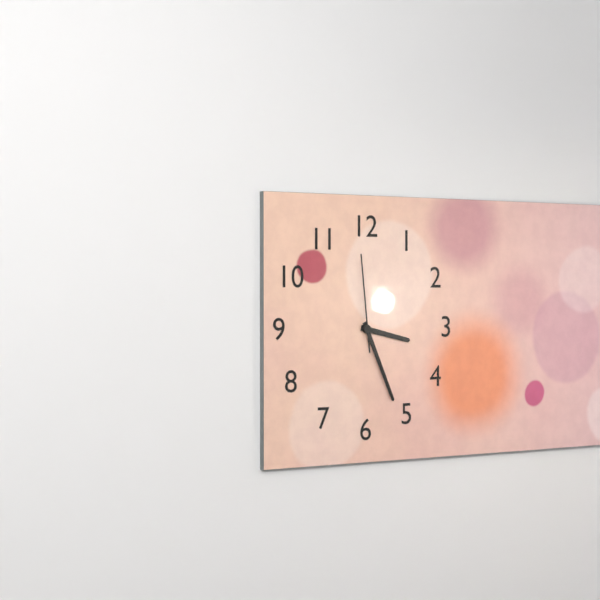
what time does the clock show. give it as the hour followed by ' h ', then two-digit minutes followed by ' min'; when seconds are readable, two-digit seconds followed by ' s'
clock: 3 h 26 min 59 s
